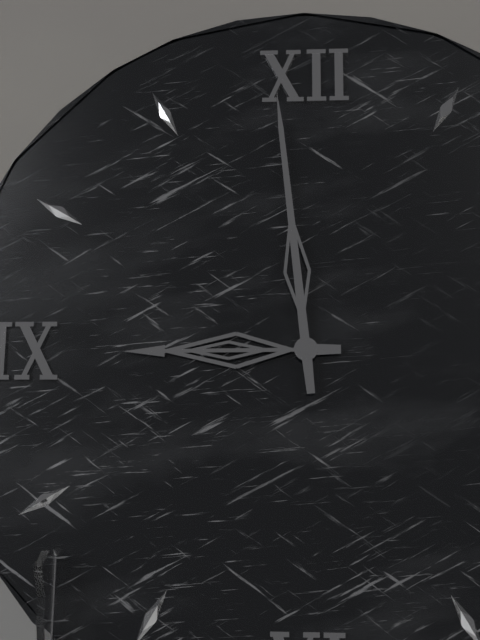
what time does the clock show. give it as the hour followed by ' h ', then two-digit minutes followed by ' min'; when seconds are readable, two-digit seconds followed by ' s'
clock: 8 h 59 min
